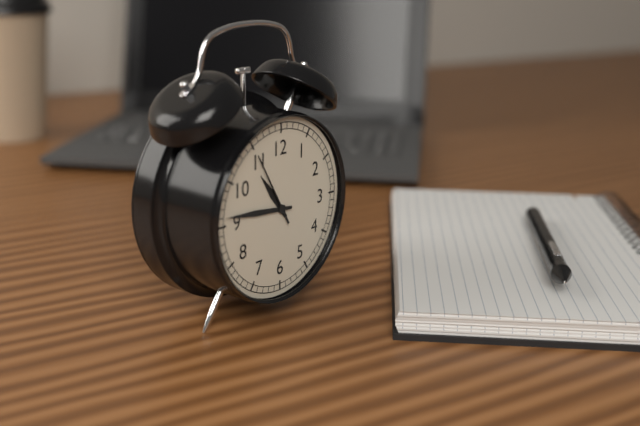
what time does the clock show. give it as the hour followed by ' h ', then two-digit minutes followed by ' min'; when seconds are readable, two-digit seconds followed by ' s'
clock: 10 h 46 min 55 s
